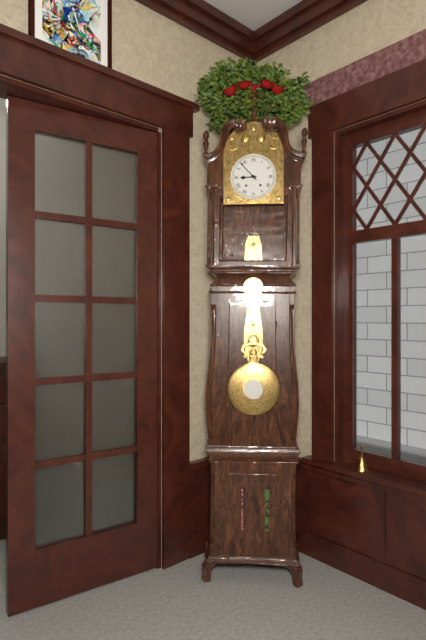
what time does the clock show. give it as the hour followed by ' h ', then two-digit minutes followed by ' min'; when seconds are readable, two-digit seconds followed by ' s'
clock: 8 h 53 min
